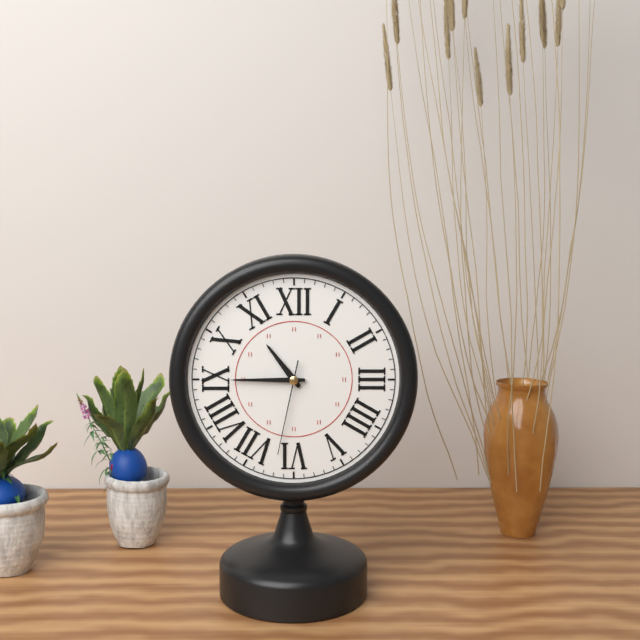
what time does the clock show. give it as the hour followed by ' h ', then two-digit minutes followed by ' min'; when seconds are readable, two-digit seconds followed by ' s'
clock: 10 h 45 min 32 s
